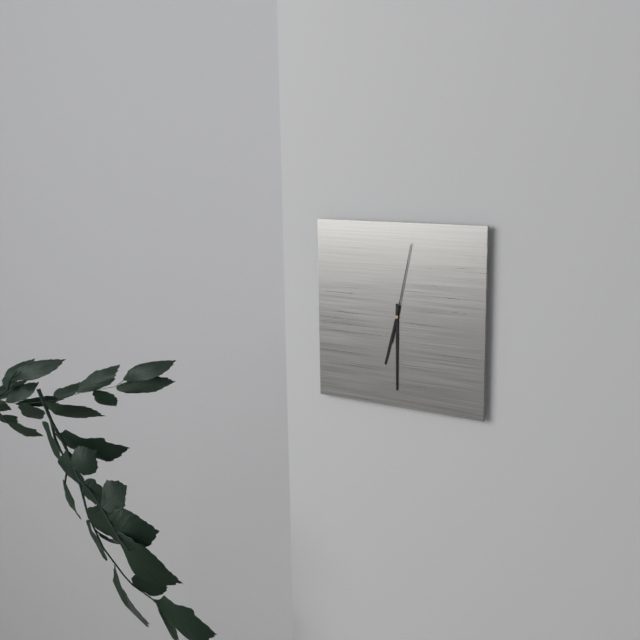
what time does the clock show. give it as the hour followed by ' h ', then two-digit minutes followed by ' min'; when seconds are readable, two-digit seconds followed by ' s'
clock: 6 h 30 min 02 s
